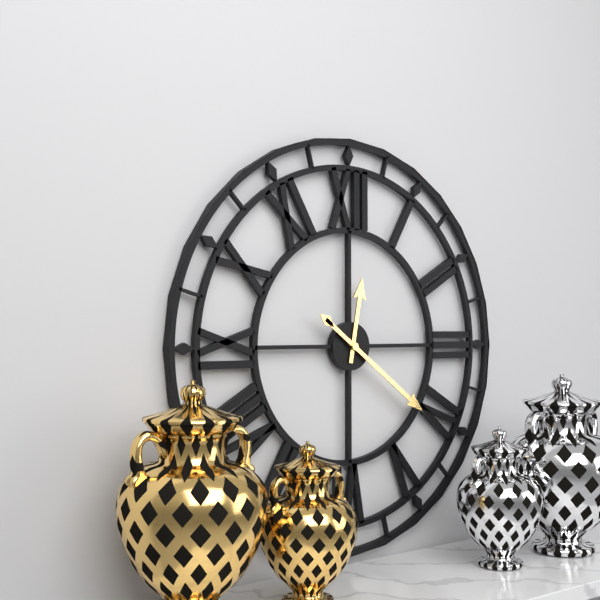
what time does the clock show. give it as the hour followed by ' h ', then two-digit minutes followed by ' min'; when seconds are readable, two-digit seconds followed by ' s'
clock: 12 h 21 min
